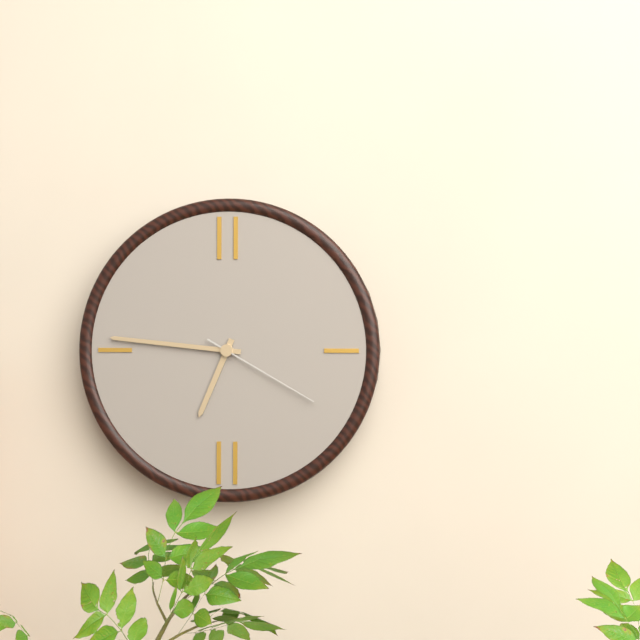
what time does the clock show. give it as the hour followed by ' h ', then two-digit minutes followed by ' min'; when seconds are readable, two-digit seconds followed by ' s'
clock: 6 h 46 min 20 s
